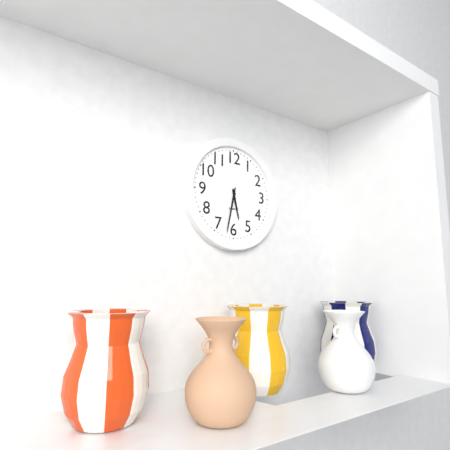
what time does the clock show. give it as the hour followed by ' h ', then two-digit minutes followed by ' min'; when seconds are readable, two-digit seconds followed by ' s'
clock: 5 h 32 min
